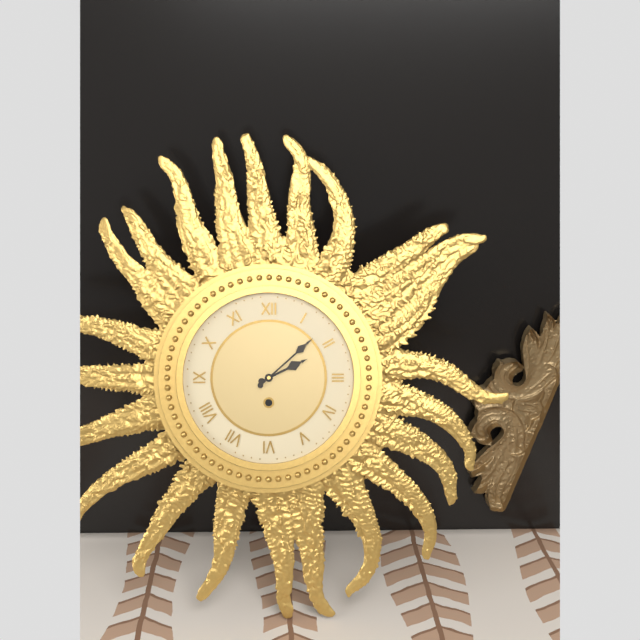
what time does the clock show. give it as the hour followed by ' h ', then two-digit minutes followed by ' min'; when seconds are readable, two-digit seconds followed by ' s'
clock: 2 h 08 min
